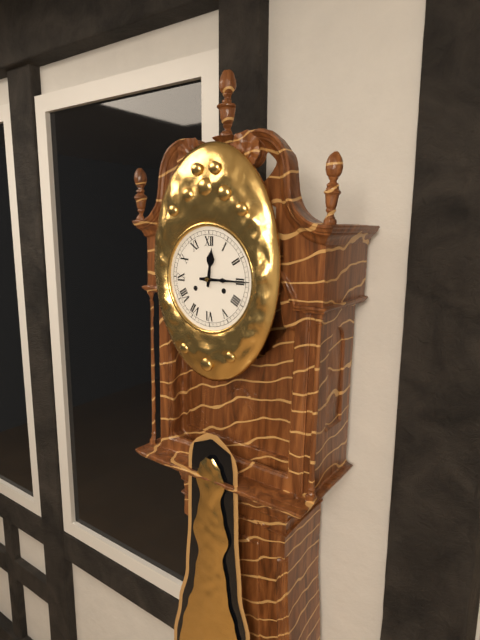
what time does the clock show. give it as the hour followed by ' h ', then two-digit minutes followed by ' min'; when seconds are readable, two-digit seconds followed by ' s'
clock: 12 h 15 min
